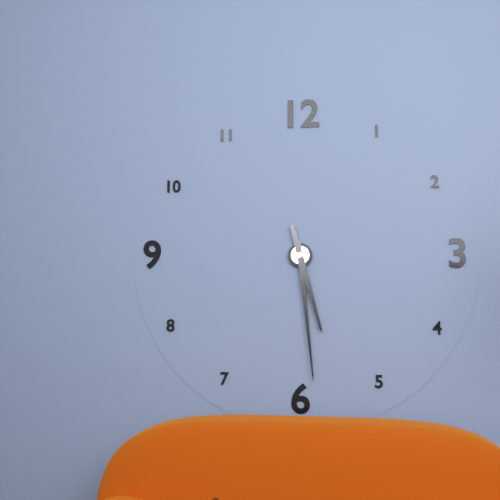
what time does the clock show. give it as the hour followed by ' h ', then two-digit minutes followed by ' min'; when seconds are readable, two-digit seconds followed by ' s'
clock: 5 h 29 min
